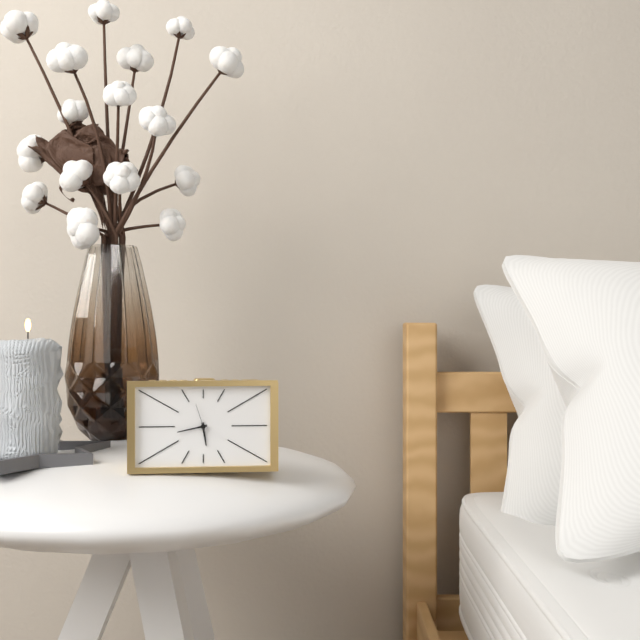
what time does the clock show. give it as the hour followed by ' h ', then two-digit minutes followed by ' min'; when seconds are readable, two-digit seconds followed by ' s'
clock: 5 h 43 min
